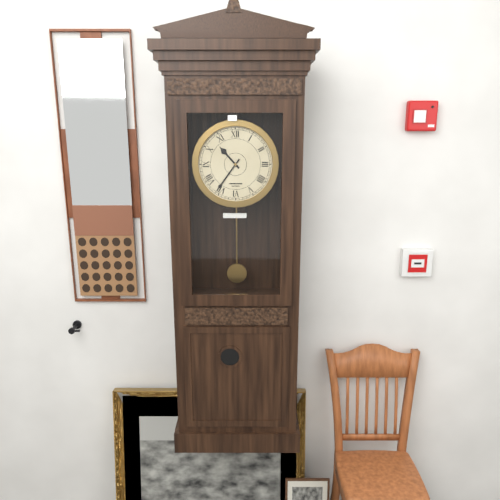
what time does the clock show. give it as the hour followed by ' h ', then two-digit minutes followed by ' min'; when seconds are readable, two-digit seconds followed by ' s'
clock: 10 h 36 min
